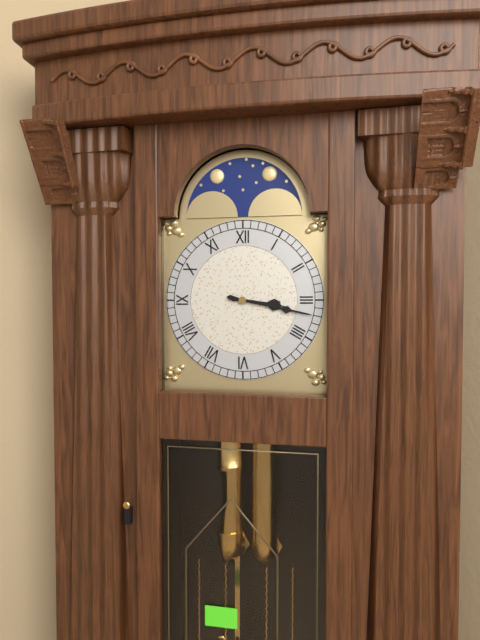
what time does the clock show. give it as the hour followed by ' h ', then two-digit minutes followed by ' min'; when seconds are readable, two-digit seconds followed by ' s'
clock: 3 h 17 min
